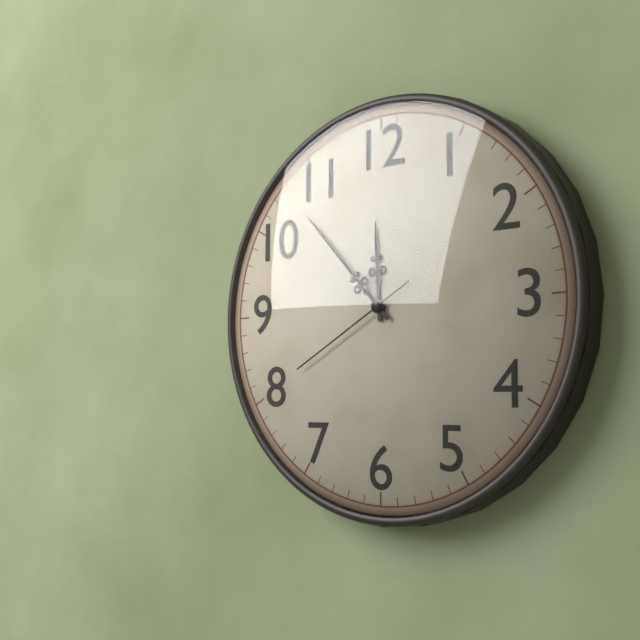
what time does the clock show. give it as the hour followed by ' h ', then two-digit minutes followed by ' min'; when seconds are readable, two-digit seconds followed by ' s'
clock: 11 h 53 min 40 s
